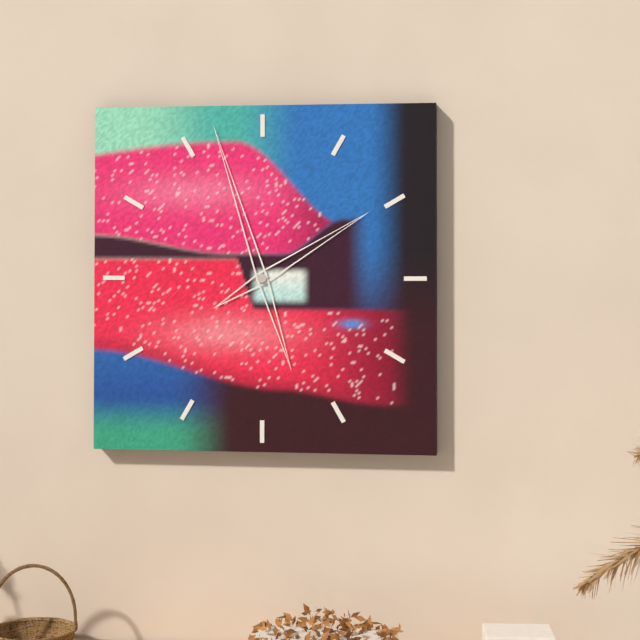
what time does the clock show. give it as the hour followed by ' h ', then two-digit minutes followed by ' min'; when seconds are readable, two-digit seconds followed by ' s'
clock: 1 h 57 min
